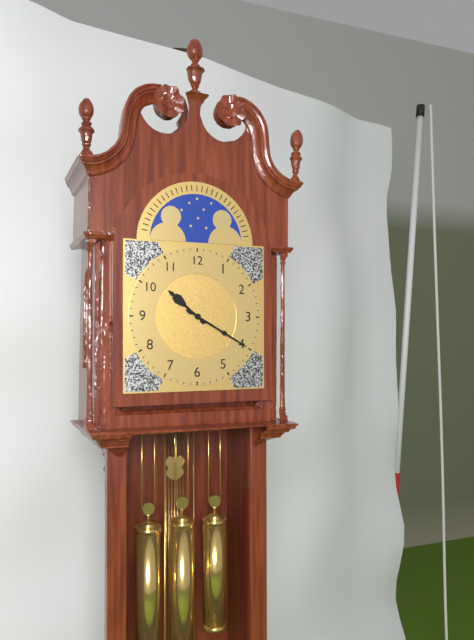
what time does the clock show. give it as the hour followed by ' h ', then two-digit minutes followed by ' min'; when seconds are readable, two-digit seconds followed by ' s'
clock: 10 h 20 min
